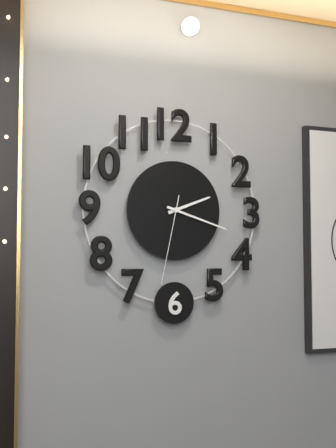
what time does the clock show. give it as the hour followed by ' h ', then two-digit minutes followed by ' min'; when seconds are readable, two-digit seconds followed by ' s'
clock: 2 h 18 min 32 s
